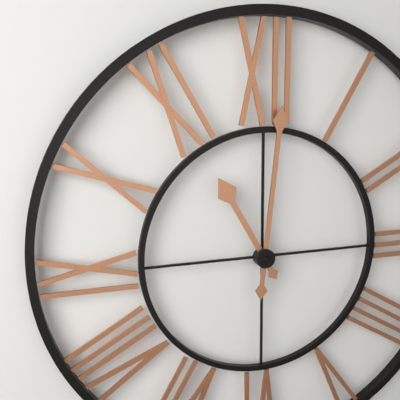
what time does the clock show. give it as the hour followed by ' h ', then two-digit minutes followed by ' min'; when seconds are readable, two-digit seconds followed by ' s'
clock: 11 h 01 min
